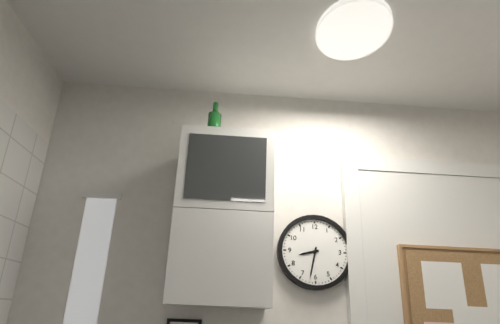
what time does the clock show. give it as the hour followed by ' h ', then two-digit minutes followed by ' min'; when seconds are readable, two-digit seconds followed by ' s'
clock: 8 h 32 min
